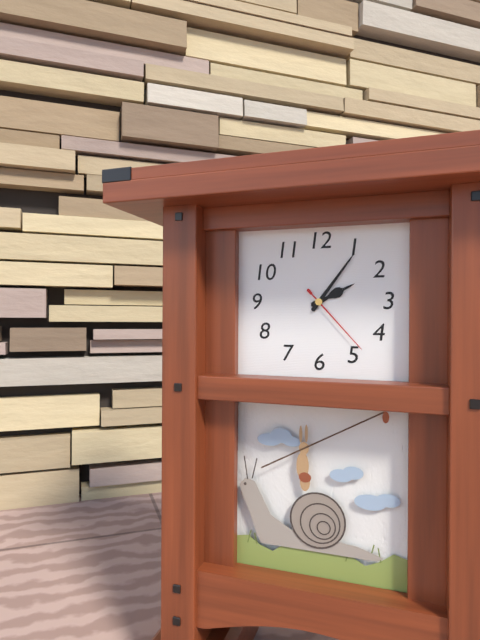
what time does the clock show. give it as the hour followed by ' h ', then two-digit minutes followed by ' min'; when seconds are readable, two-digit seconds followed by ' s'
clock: 2 h 06 min 23 s
